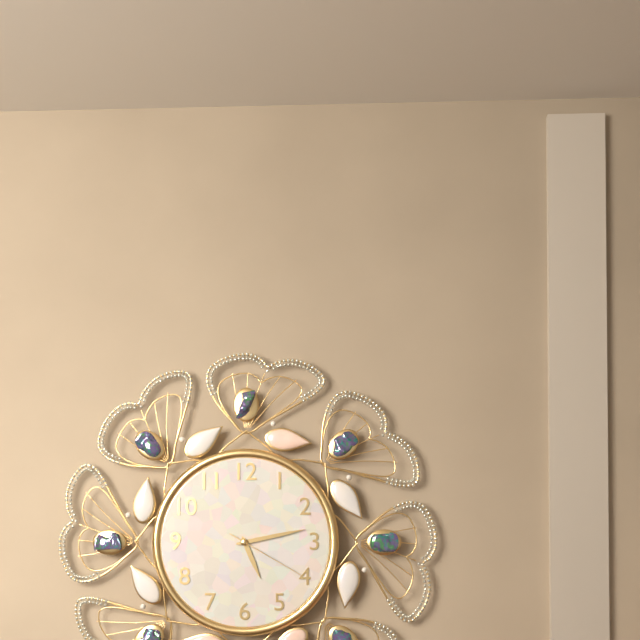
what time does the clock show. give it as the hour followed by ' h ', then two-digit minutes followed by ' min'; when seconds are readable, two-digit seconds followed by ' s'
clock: 5 h 13 min 20 s
